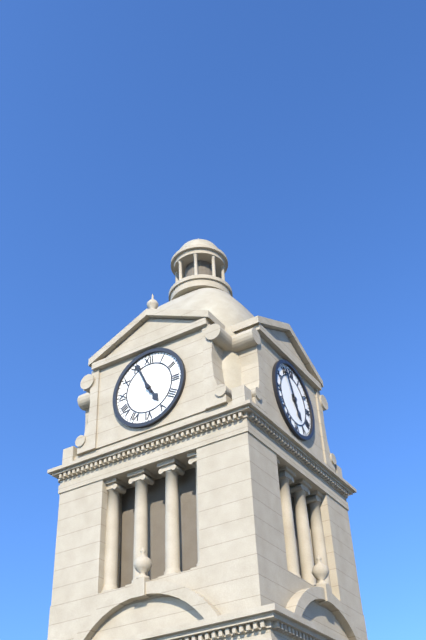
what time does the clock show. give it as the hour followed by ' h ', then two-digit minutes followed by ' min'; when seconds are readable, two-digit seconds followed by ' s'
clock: 4 h 56 min
